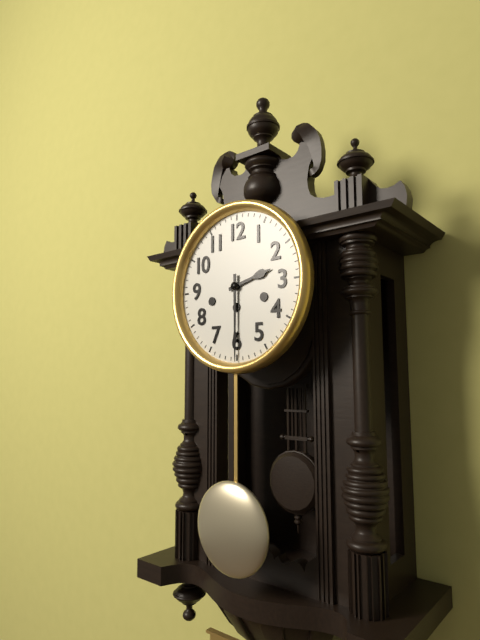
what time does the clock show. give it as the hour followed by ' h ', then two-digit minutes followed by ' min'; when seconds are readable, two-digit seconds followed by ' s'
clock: 2 h 30 min
